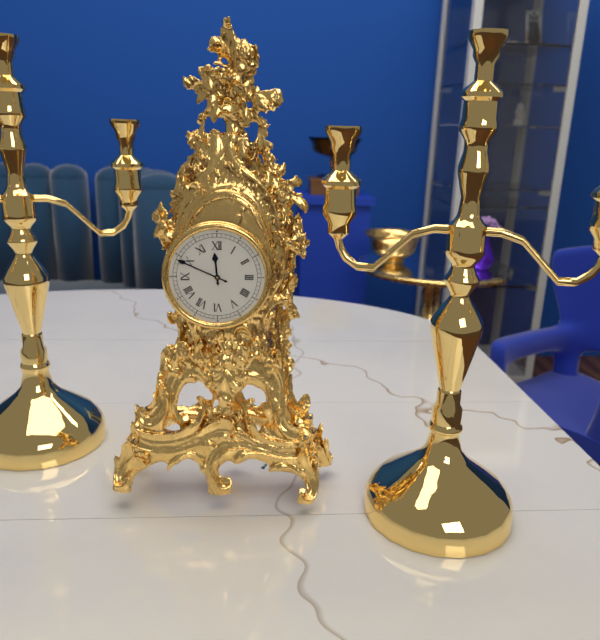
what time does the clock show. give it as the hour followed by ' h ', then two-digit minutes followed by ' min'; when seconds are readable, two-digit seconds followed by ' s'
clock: 11 h 49 min
